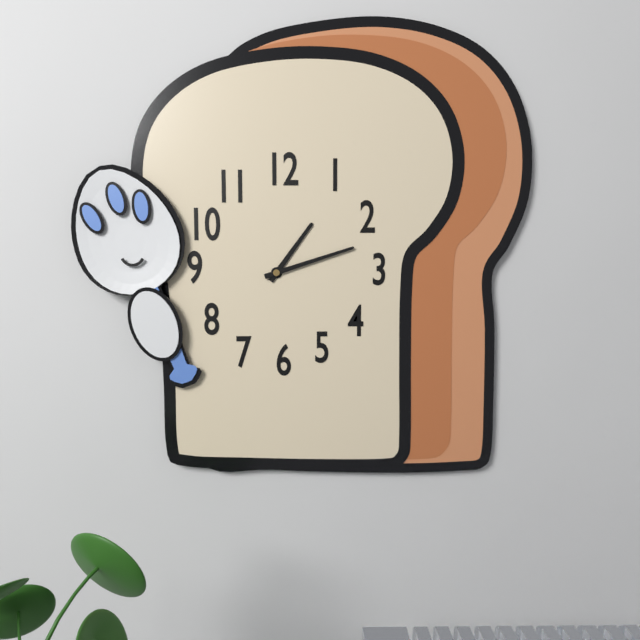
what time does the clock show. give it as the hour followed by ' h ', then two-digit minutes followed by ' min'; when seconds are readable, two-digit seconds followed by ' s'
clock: 1 h 12 min
